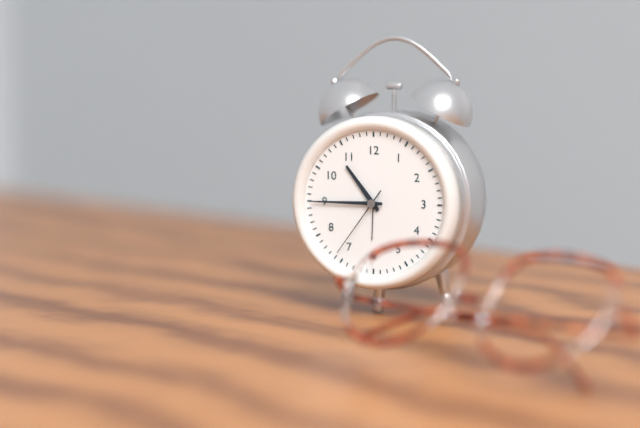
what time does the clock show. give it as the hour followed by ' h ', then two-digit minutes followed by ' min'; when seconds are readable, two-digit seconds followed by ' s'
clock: 10 h 45 min 36 s
